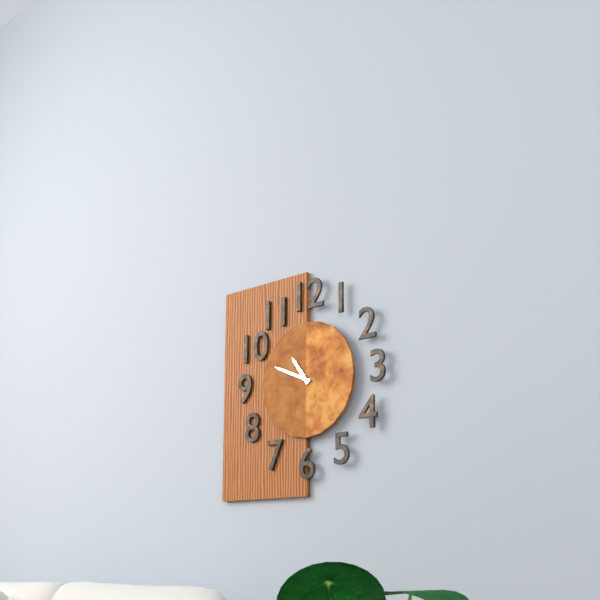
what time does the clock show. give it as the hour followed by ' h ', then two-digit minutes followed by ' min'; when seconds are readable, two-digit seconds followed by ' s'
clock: 10 h 49 min
